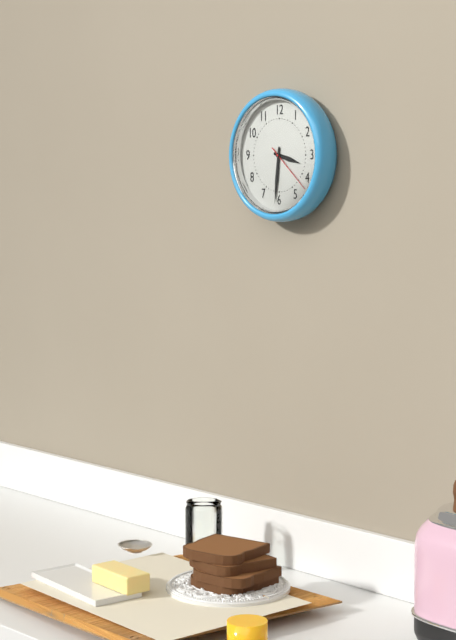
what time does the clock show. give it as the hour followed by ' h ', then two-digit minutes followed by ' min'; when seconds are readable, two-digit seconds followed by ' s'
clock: 3 h 31 min 22 s
